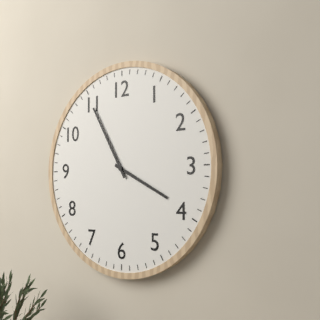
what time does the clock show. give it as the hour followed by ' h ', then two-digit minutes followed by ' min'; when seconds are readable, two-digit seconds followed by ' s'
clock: 3 h 55 min
